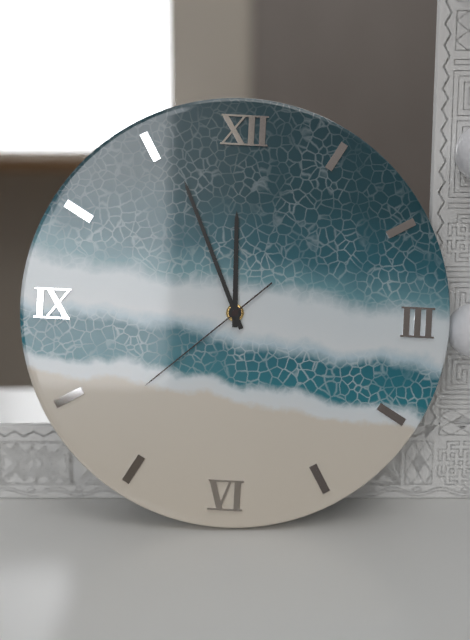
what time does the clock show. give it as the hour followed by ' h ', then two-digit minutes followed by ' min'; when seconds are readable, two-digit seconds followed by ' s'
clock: 11 h 56 min 38 s
